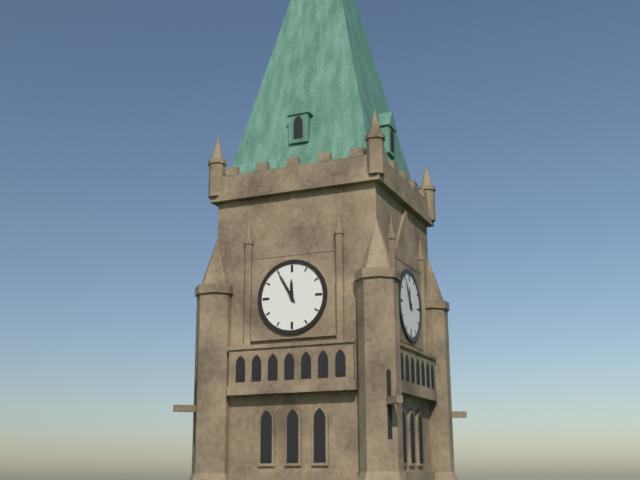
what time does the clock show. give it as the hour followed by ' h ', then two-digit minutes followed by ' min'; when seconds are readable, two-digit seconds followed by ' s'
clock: 11 h 55 min
